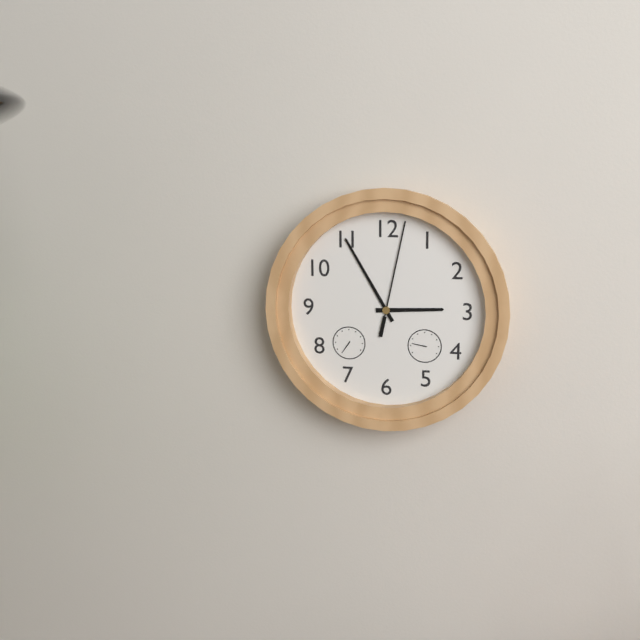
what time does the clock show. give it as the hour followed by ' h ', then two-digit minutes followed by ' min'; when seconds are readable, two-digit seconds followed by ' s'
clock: 2 h 55 min 02 s
